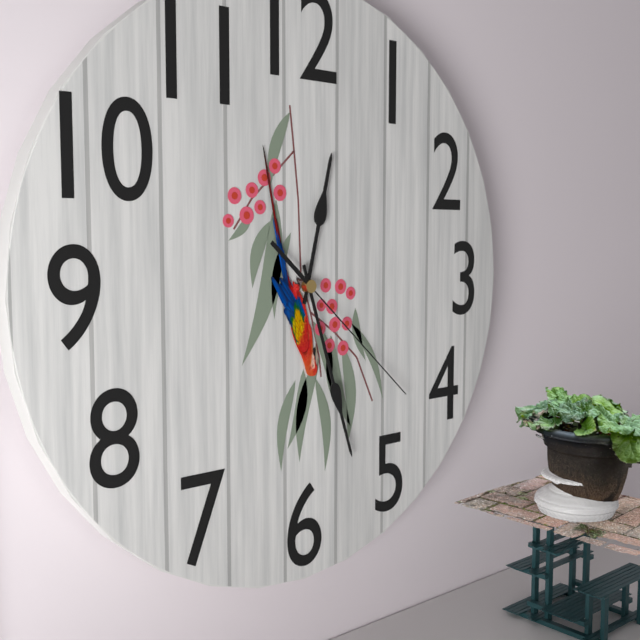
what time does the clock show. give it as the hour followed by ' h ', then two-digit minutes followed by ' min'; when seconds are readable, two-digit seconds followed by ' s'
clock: 12 h 27 min 22 s
